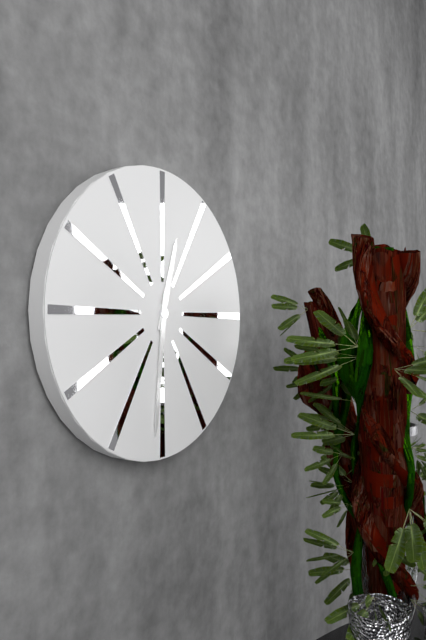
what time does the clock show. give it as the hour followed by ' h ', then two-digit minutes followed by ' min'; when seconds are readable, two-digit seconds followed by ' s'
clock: 12 h 31 min
